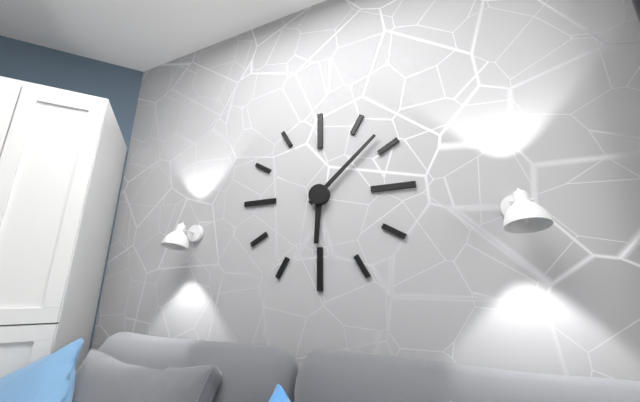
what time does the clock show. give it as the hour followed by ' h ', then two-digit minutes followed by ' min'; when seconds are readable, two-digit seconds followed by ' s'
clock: 6 h 08 min
